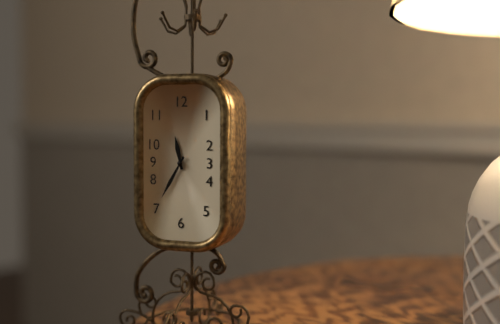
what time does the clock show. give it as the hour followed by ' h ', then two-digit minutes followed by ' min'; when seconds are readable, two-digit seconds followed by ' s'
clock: 11 h 35 min
